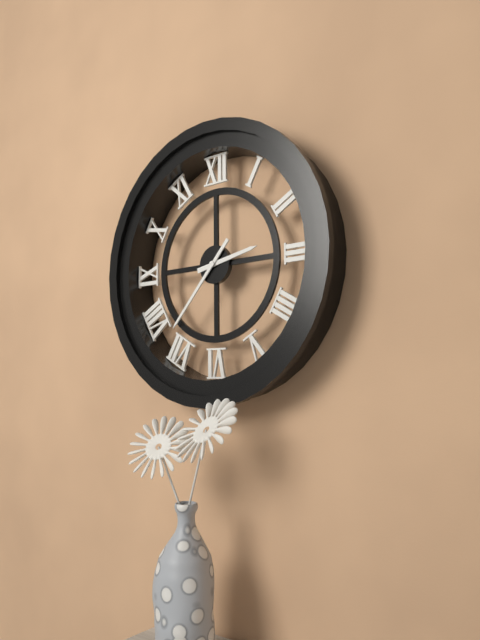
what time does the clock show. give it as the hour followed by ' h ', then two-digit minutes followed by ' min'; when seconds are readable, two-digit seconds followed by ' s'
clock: 2 h 37 min
